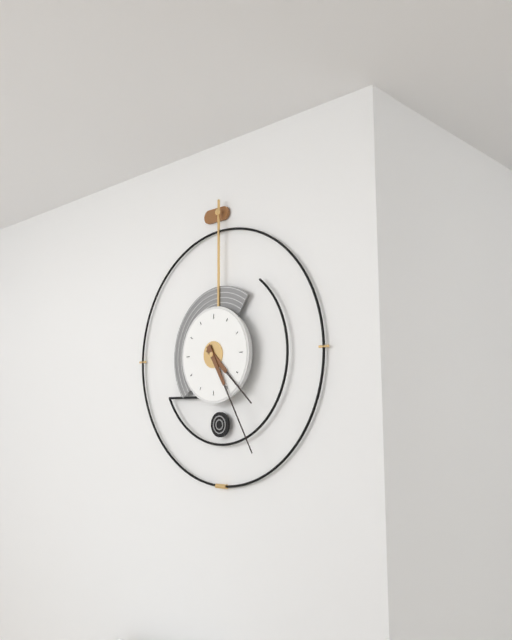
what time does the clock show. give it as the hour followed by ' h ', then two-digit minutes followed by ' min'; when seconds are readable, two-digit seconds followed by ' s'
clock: 4 h 25 min
